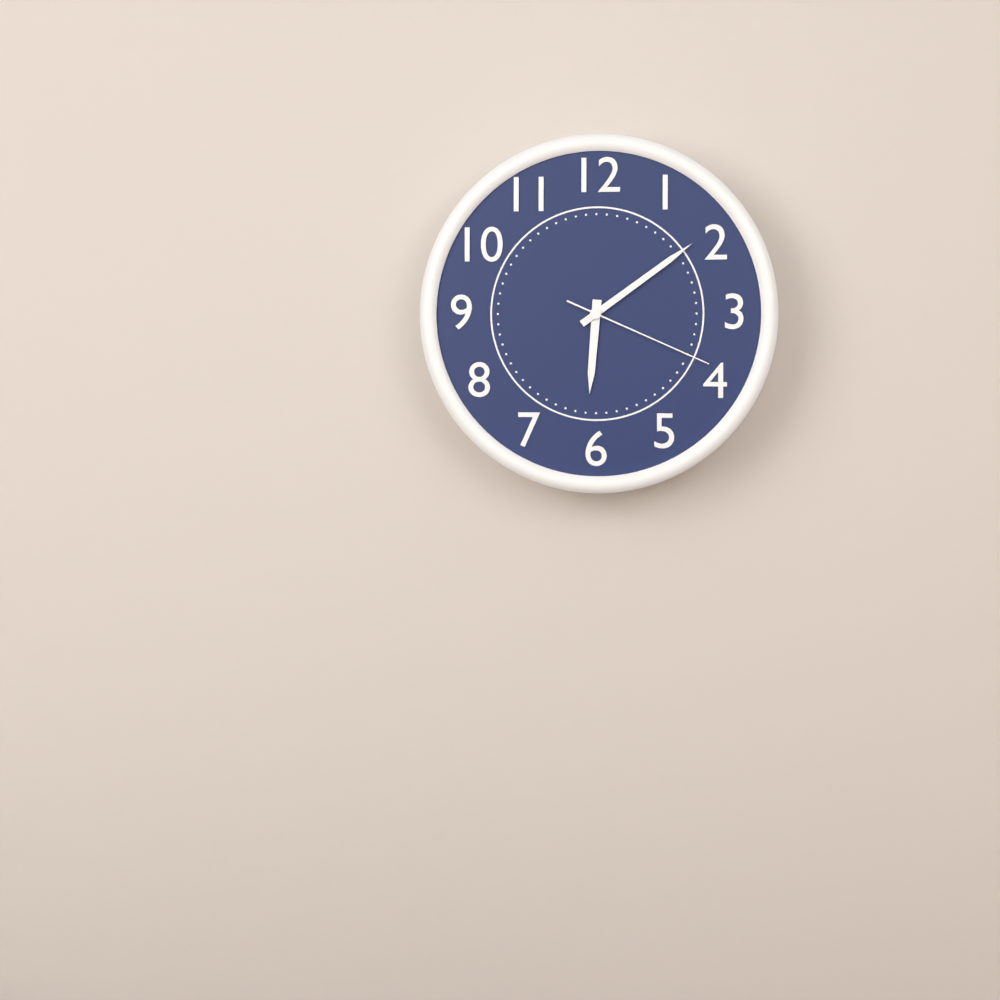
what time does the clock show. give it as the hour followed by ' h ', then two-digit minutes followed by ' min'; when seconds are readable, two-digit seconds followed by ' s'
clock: 6 h 09 min 19 s
